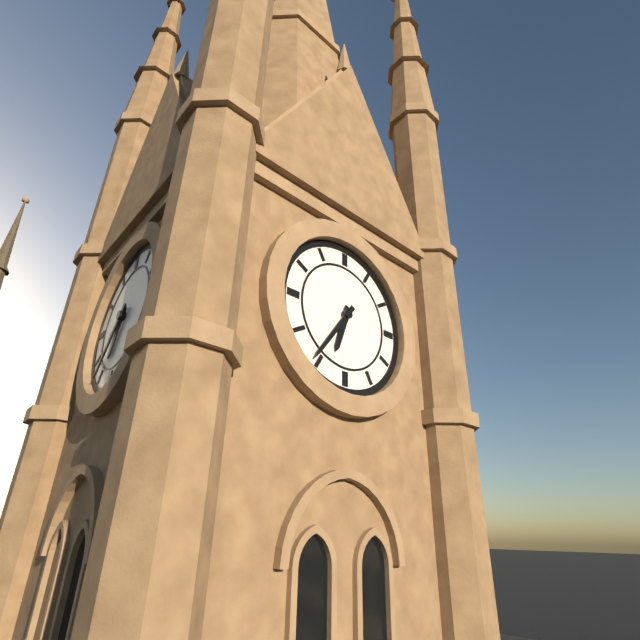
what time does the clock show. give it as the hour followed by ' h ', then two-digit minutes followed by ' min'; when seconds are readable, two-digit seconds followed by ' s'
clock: 6 h 36 min
